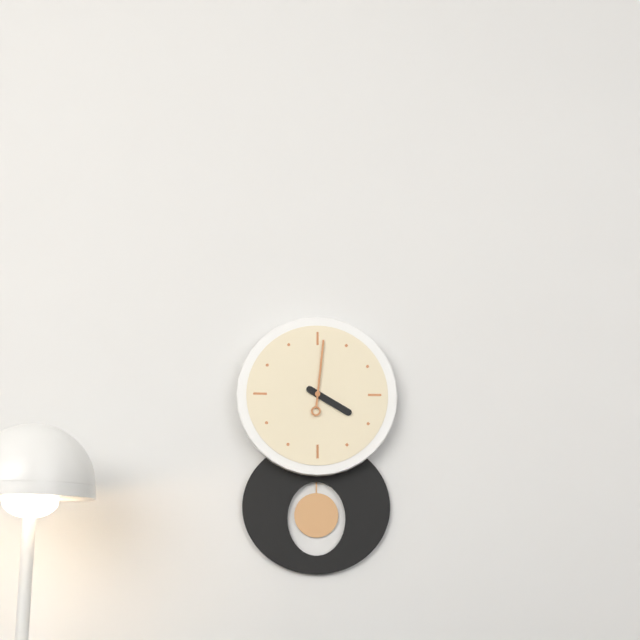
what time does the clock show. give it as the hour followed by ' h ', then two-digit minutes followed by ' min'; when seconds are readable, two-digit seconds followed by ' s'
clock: 4 h 01 min
